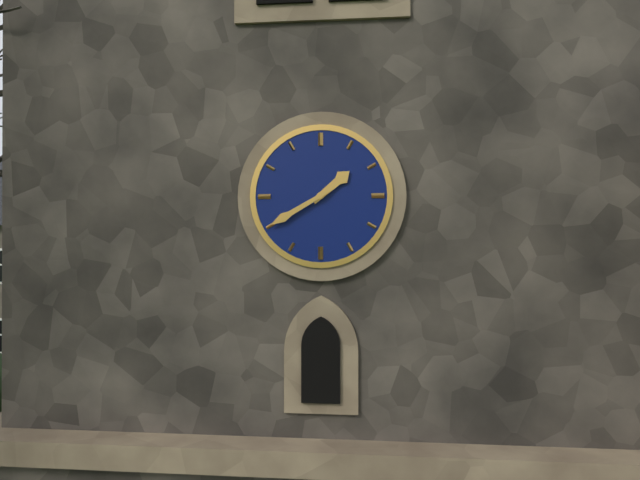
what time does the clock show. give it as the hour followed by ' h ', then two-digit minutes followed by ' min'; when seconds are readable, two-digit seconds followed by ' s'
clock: 1 h 40 min
